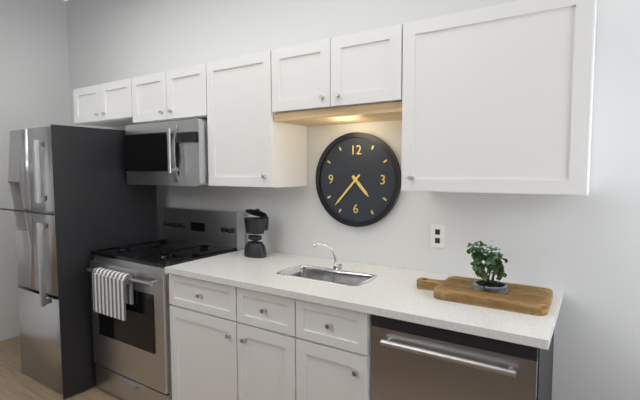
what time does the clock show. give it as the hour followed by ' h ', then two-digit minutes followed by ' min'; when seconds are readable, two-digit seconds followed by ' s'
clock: 4 h 37 min
